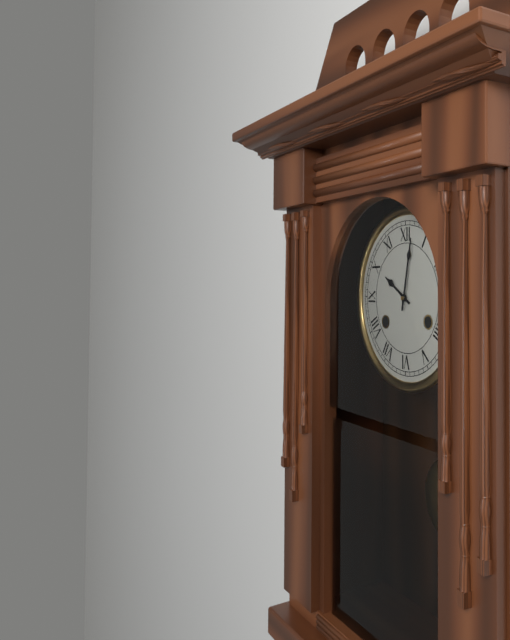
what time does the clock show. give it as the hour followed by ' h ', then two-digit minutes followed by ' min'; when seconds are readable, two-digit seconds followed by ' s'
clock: 10 h 02 min
